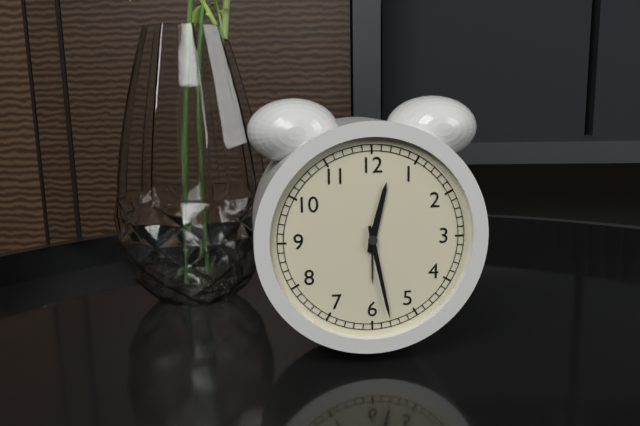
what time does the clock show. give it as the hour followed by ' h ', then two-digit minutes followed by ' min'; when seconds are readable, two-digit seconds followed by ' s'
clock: 12 h 28 min
